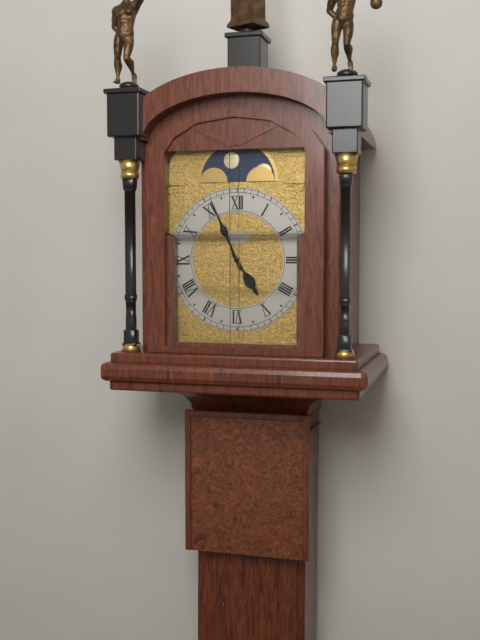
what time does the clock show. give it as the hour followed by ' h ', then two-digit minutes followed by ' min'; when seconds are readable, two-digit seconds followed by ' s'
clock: 4 h 56 min
